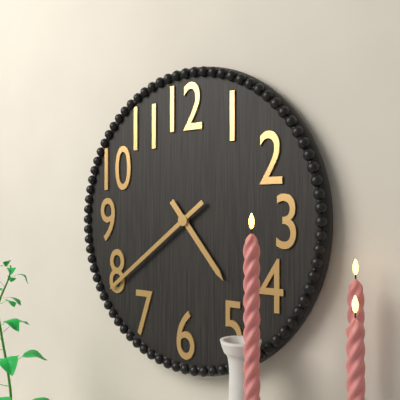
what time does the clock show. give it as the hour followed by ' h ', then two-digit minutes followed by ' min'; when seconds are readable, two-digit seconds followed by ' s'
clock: 4 h 39 min
